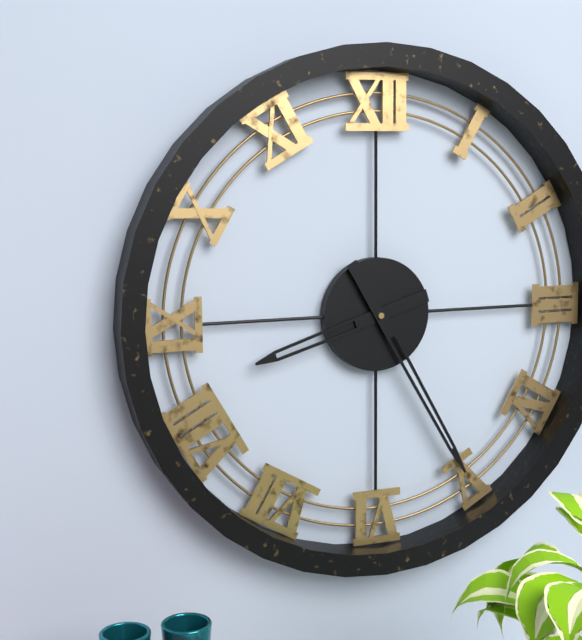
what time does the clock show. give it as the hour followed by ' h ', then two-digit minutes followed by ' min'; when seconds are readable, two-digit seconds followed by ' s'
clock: 8 h 25 min
